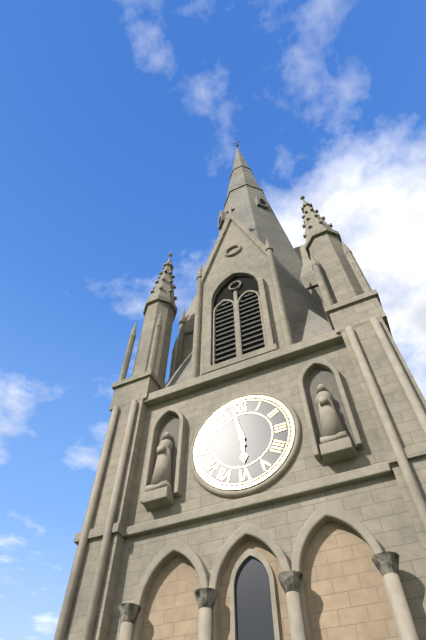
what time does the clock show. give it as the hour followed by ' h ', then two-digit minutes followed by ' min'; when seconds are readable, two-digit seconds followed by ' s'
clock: 5 h 58 min
